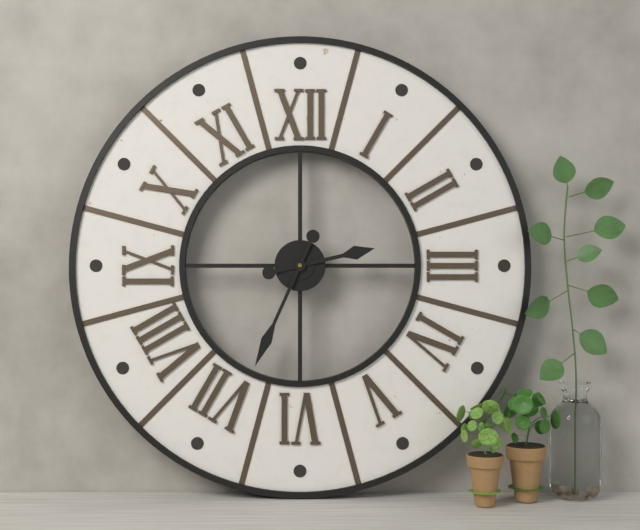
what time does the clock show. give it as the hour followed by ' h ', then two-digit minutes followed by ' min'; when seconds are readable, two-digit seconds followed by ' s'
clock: 2 h 34 min
